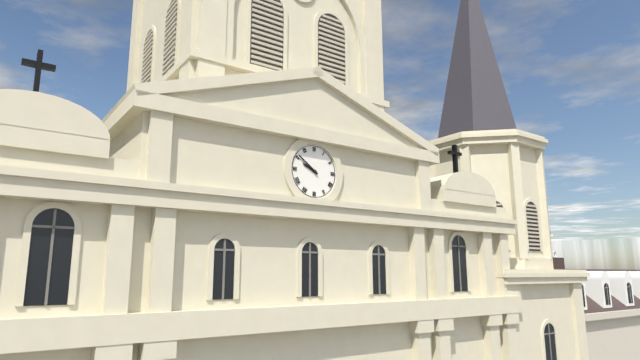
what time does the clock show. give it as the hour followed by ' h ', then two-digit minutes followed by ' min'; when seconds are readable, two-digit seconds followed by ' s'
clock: 9 h 51 min
